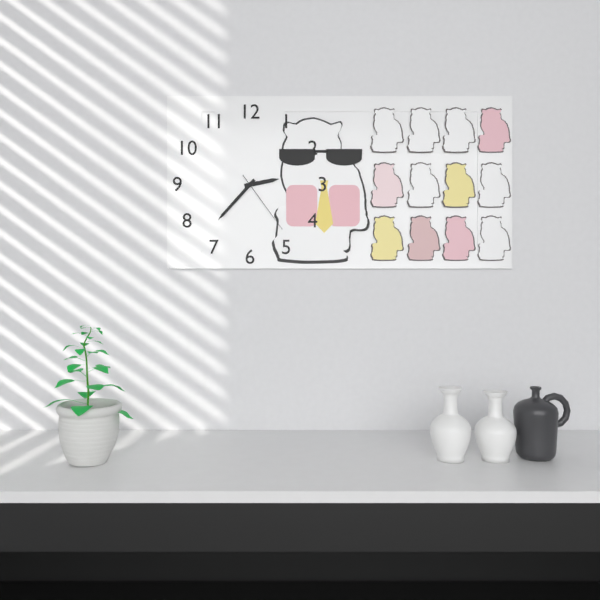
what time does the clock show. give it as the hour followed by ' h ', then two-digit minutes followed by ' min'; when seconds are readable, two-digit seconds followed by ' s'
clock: 2 h 37 min 24 s
